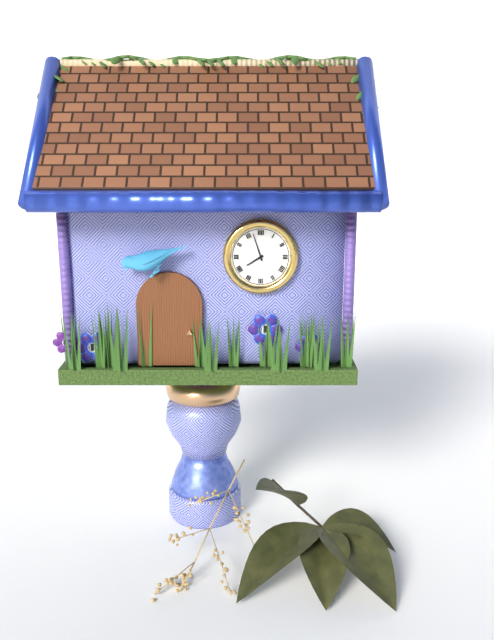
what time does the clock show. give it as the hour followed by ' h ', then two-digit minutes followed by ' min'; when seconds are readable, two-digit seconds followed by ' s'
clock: 7 h 57 min
